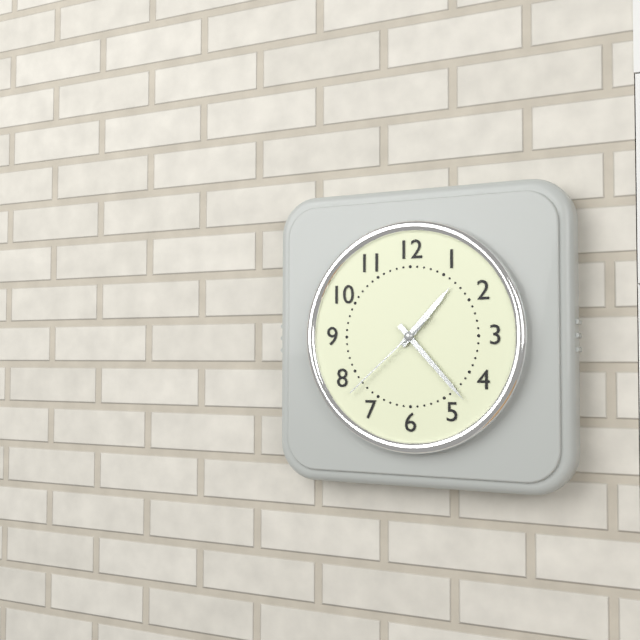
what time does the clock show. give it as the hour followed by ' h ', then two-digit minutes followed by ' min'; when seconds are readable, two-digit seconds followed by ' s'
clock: 1 h 23 min 38 s
